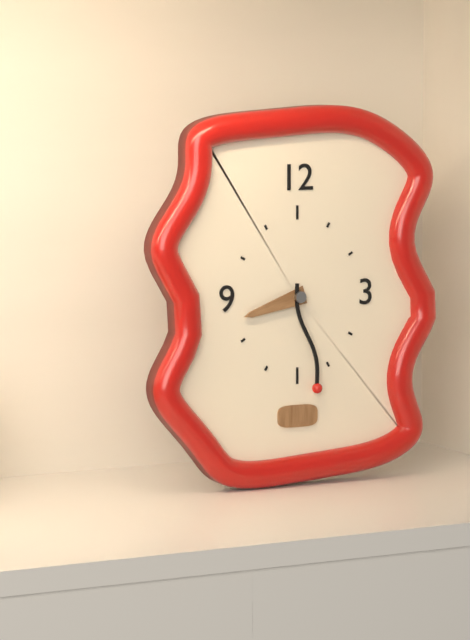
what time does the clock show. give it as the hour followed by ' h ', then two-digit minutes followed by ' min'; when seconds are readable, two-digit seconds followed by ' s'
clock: 8 h 28 min
